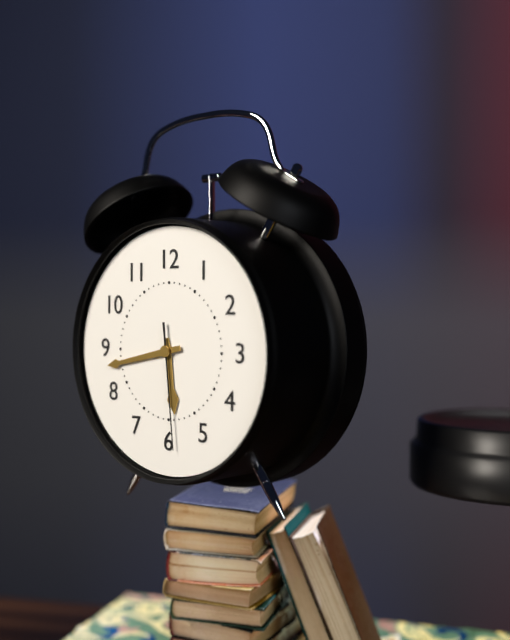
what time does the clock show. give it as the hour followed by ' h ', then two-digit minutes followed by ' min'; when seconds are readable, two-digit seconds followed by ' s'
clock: 5 h 43 min 29 s
